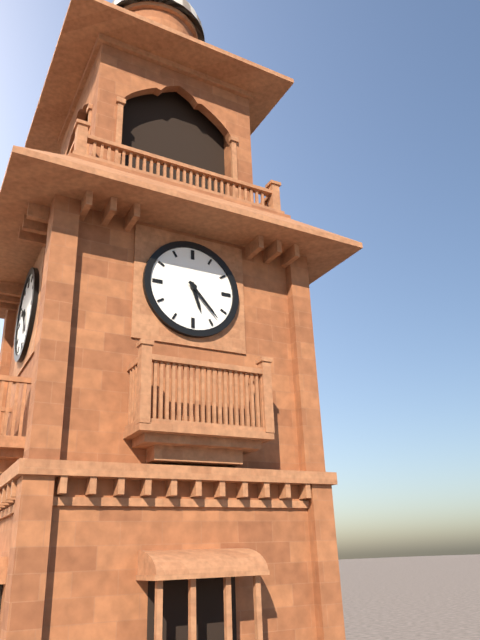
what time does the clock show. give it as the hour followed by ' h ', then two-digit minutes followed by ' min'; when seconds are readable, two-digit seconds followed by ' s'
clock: 5 h 23 min
